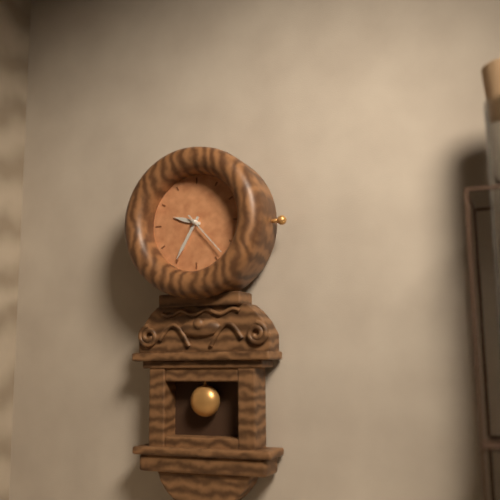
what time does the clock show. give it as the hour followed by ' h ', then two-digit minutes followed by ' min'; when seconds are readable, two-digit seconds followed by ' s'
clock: 9 h 35 min
